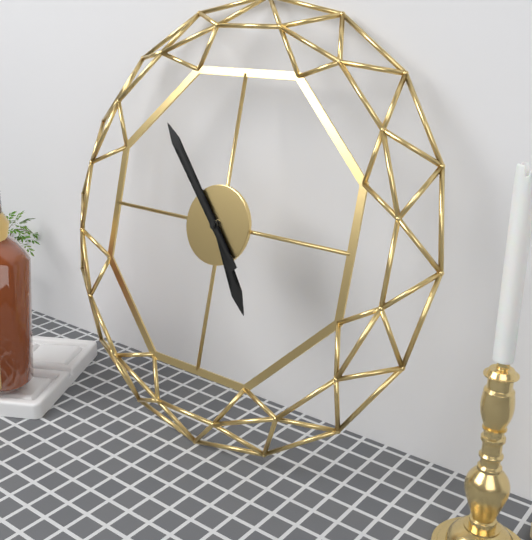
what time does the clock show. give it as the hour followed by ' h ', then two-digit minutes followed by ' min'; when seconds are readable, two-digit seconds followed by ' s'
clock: 4 h 53 min
